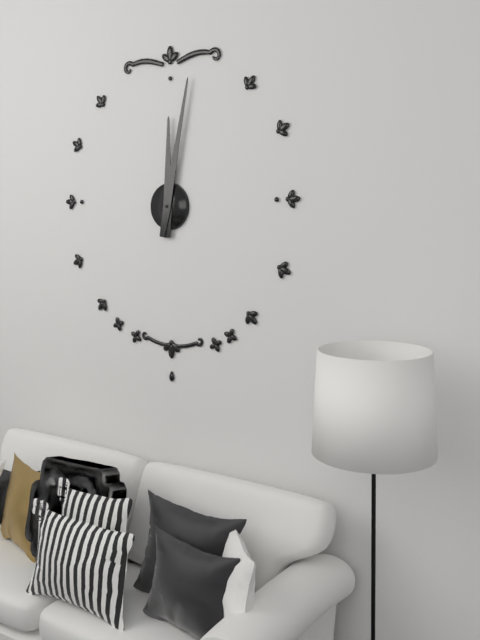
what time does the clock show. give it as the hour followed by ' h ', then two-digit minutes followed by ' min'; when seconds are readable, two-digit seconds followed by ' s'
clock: 12 h 02 min
